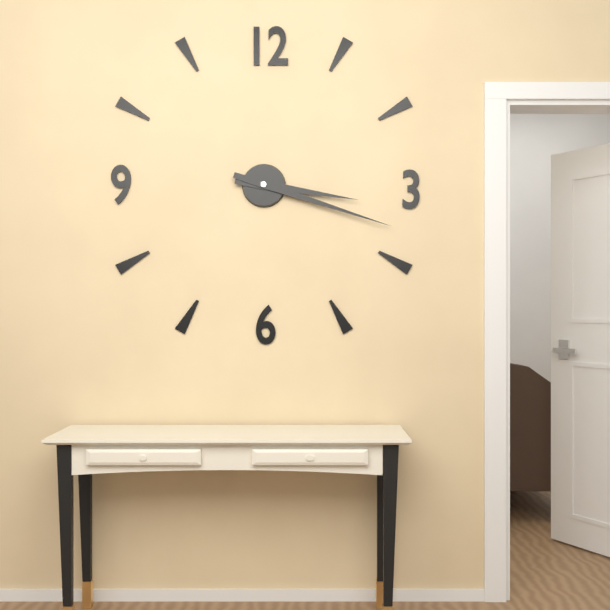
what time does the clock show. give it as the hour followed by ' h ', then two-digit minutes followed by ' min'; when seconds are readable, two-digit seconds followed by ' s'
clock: 3 h 18 min
